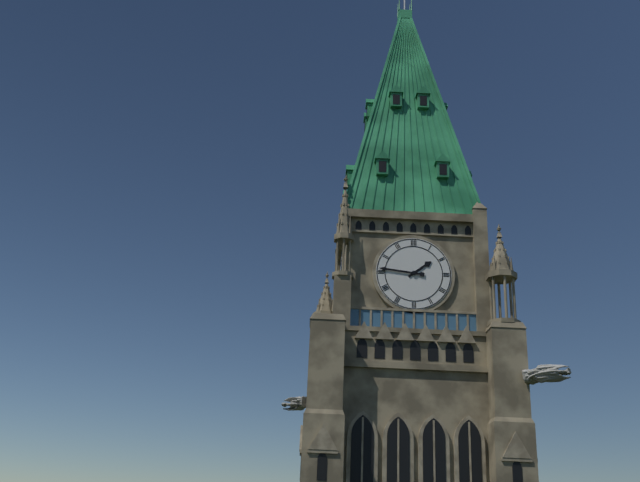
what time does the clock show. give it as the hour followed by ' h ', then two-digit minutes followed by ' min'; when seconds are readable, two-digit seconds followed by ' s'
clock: 1 h 46 min
